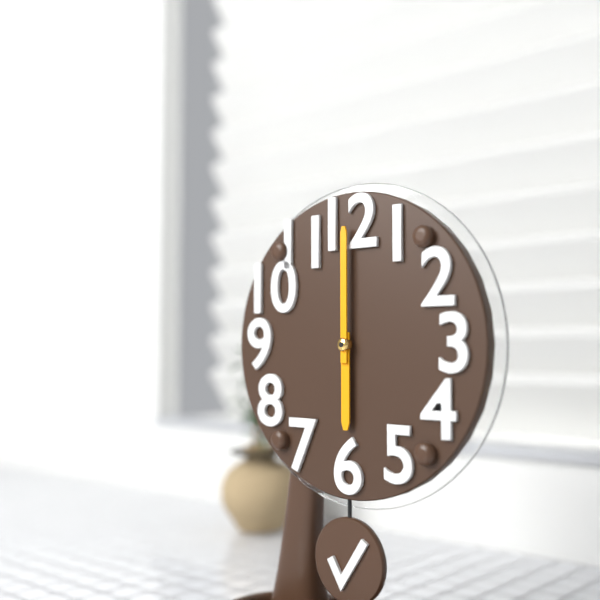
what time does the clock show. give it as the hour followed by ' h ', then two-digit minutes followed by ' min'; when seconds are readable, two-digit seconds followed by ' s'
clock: 6 h 00 min
